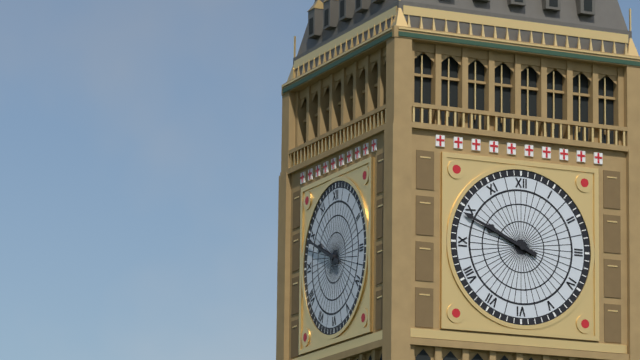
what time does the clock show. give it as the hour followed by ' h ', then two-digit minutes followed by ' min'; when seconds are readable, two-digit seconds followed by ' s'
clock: 9 h 49 min
